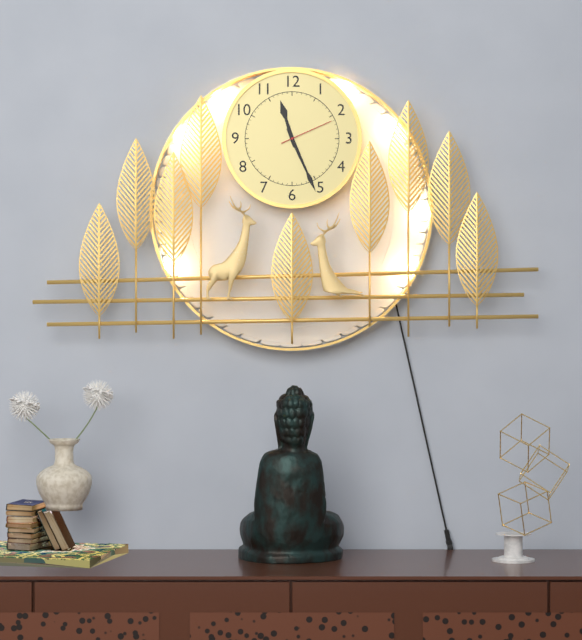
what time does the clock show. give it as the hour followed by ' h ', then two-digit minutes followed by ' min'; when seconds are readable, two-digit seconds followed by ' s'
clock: 11 h 26 min 11 s
